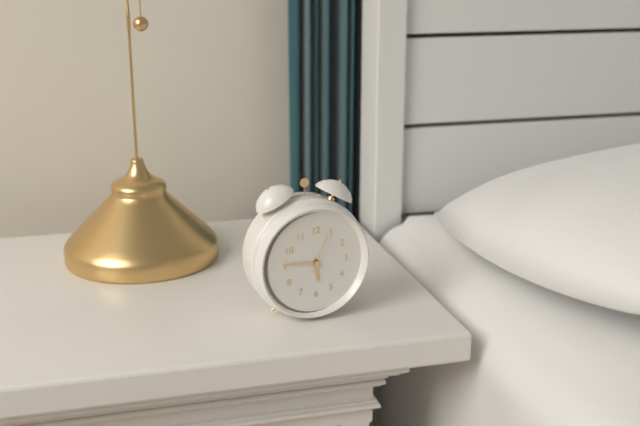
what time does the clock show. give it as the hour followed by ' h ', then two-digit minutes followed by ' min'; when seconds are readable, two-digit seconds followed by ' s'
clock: 5 h 46 min
